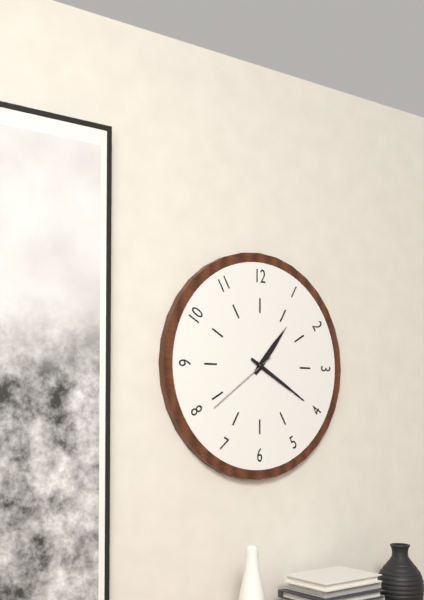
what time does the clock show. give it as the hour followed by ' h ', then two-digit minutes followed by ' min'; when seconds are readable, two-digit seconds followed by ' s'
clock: 1 h 20 min 39 s
